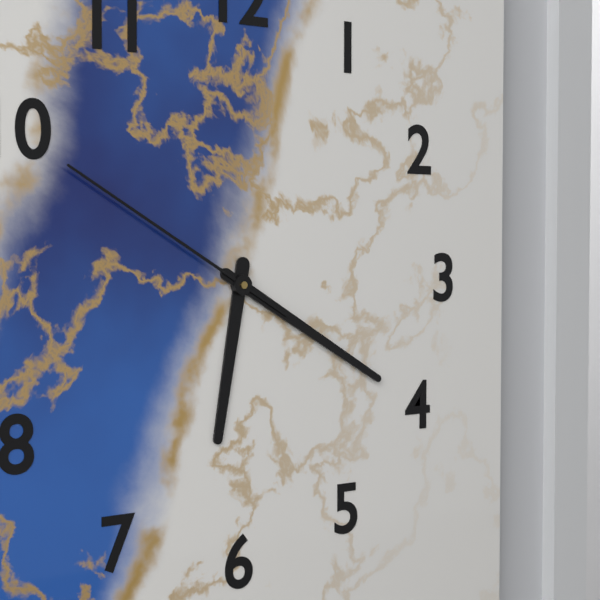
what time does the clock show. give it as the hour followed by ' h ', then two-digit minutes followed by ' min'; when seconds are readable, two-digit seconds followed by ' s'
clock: 6 h 20 min 50 s
